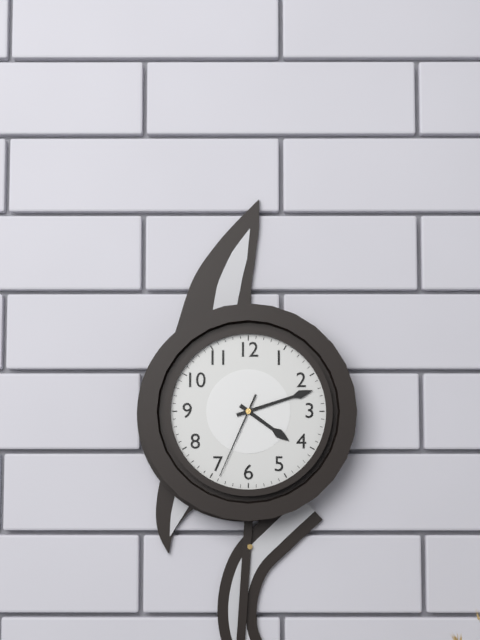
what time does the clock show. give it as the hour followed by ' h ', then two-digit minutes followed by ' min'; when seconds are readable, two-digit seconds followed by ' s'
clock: 4 h 12 min 34 s
